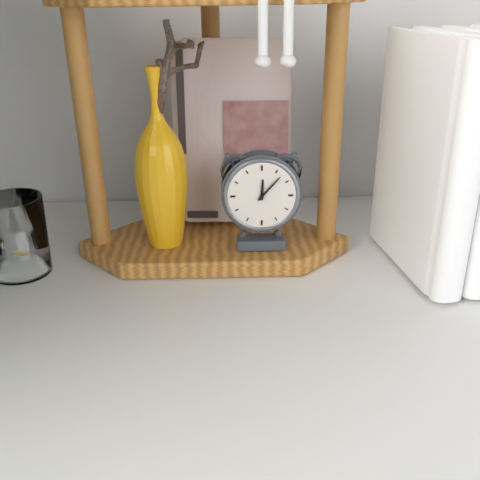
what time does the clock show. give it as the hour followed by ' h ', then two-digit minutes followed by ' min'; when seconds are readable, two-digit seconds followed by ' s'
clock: 12 h 07 min
